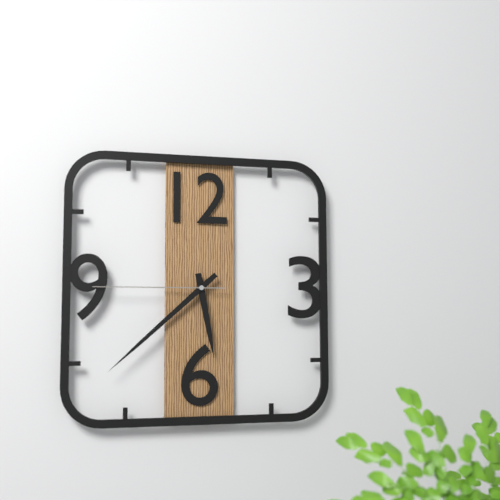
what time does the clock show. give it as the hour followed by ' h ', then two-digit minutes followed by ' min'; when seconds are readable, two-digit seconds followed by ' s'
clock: 5 h 38 min 45 s
